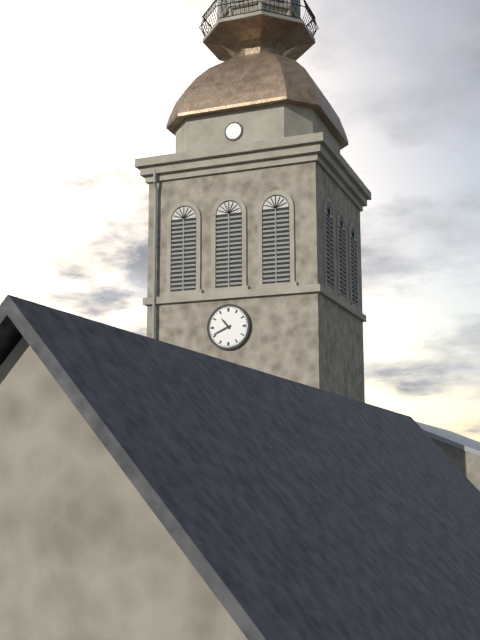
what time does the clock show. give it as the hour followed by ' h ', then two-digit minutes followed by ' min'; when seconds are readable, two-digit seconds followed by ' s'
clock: 10 h 41 min
